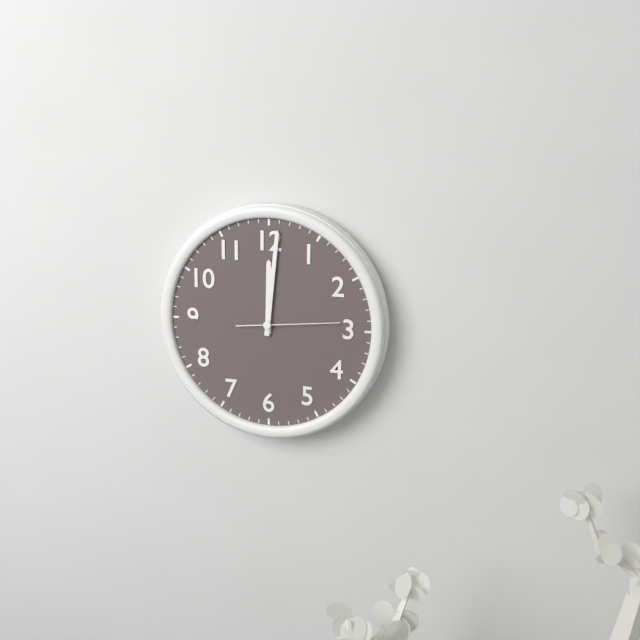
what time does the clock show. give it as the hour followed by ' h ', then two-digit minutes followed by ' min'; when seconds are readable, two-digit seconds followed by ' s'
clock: 12 h 01 min 14 s
